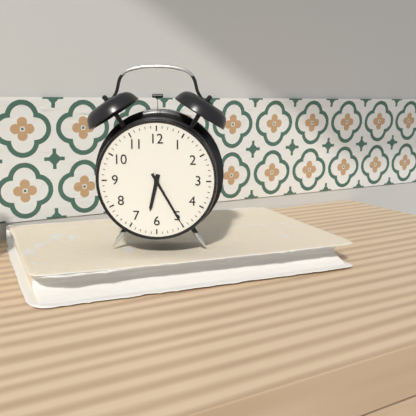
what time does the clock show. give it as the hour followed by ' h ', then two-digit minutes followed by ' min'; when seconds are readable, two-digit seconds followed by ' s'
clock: 6 h 25 min
